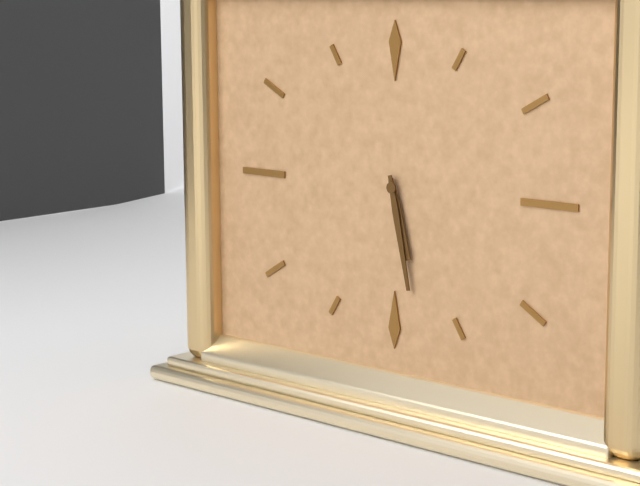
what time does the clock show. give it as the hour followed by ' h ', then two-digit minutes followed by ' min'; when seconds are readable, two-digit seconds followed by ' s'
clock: 5 h 28 min
